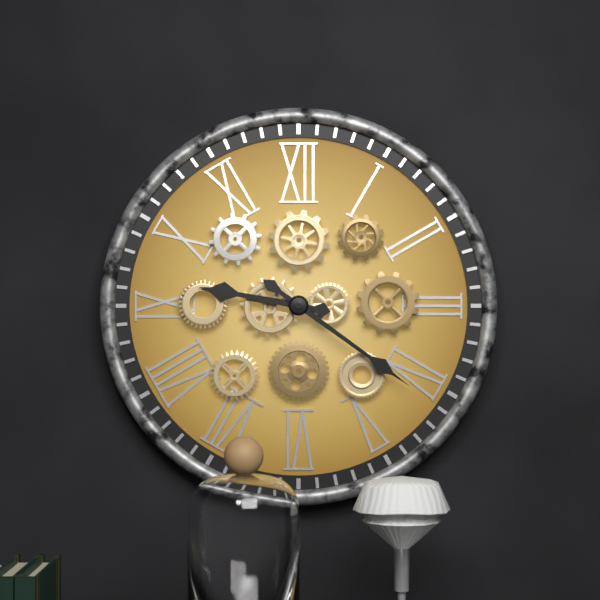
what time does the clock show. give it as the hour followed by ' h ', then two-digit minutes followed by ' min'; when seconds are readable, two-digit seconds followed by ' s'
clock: 9 h 21 min
